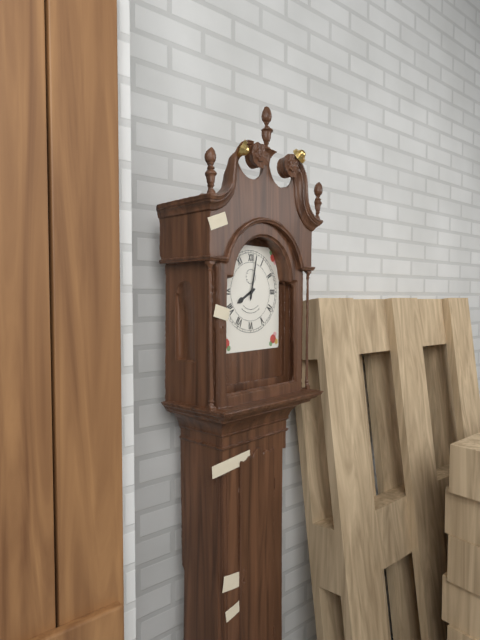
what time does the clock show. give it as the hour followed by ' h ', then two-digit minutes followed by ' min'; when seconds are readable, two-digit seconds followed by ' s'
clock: 8 h 02 min
